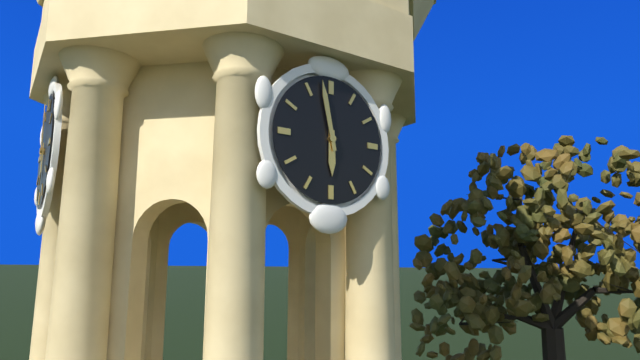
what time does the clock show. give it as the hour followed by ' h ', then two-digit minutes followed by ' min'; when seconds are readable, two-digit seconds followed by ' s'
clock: 5 h 58 min
